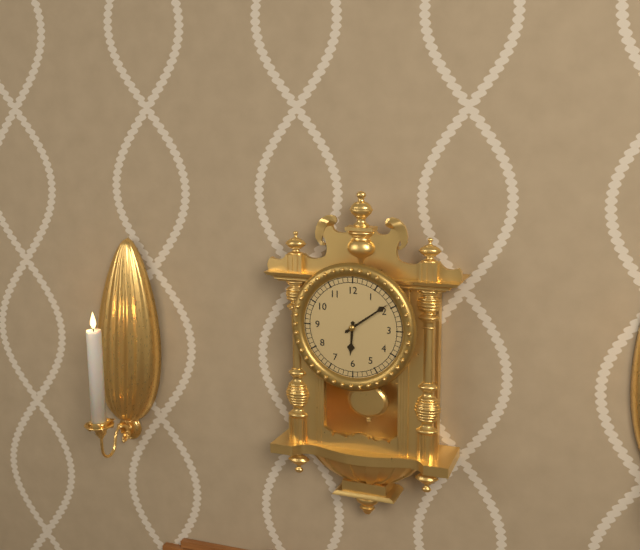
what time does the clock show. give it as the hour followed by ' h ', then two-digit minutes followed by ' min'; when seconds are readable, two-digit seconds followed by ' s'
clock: 6 h 09 min
